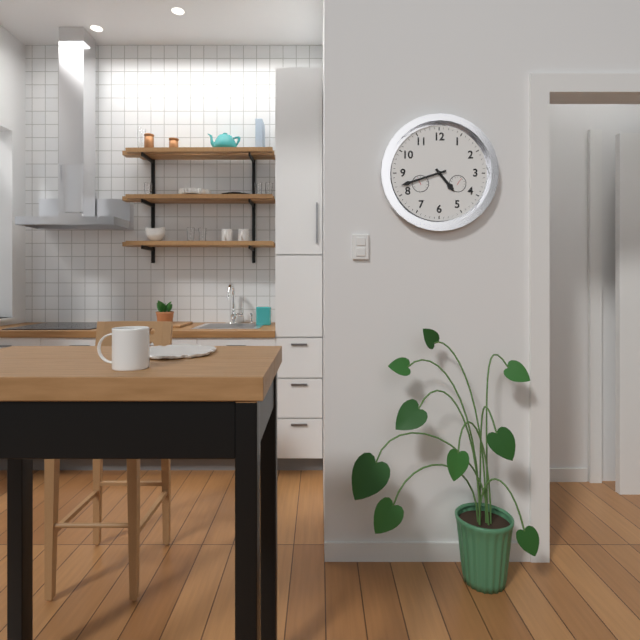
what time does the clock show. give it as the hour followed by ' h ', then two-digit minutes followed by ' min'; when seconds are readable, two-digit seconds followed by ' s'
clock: 4 h 42 min
